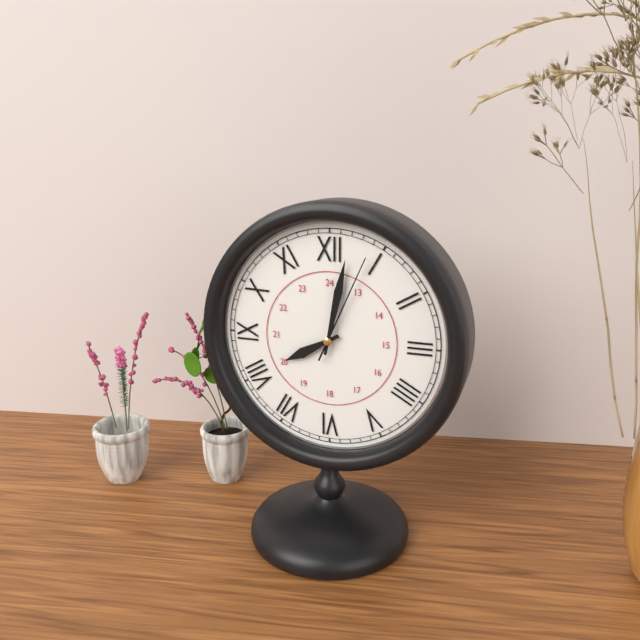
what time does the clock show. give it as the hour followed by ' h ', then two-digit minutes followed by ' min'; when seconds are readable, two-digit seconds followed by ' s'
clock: 8 h 02 min 04 s
